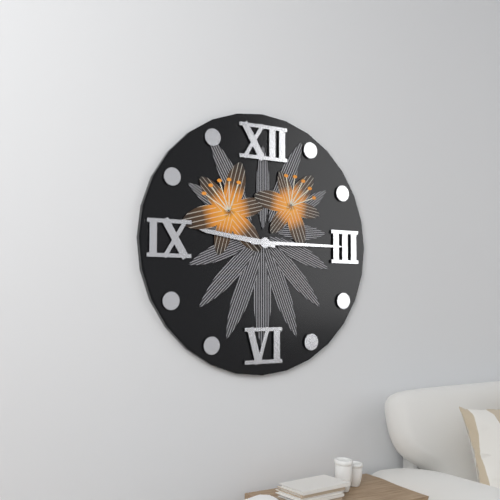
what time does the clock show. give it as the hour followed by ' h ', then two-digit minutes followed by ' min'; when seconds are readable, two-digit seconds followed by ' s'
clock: 9 h 15 min
